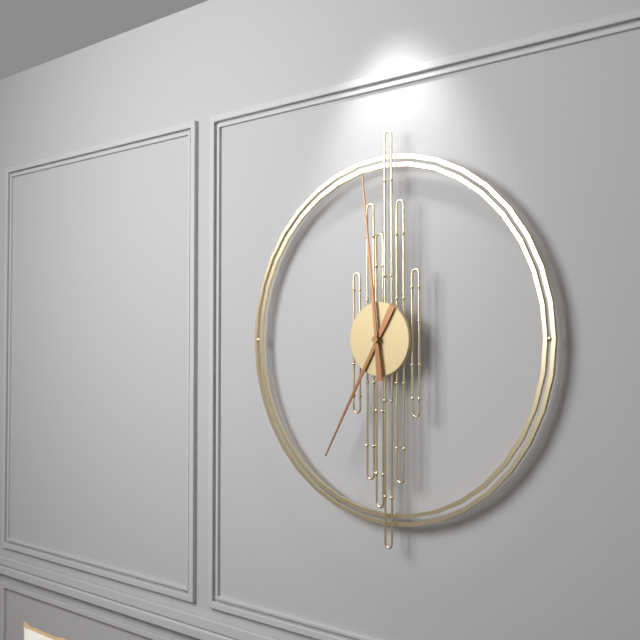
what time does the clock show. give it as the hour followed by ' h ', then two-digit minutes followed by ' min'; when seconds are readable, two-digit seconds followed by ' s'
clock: 6 h 59 min
